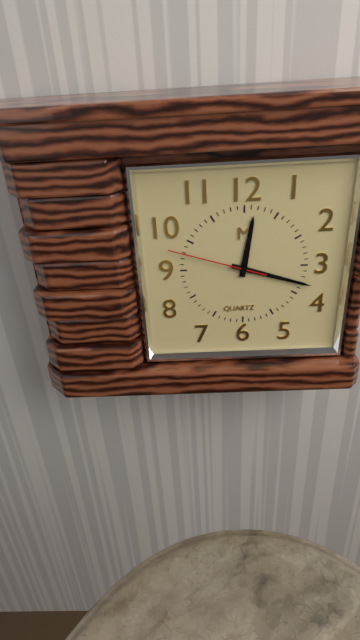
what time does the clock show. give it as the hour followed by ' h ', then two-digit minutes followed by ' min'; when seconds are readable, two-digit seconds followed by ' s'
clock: 12 h 18 min 48 s
